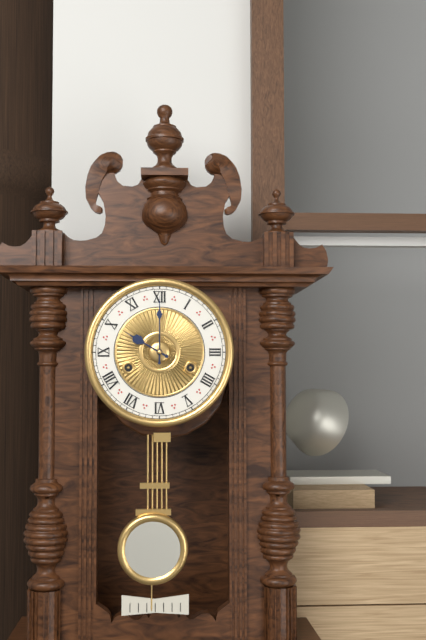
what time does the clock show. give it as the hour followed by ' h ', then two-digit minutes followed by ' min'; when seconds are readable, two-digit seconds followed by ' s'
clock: 10 h 00 min
